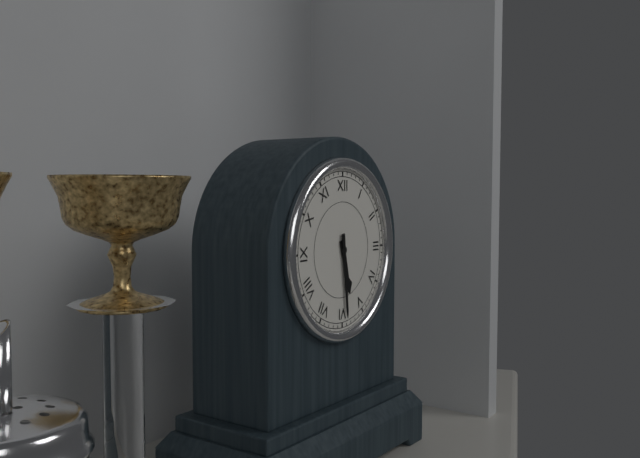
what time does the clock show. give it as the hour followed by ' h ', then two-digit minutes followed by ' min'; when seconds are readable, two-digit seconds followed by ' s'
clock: 5 h 29 min
